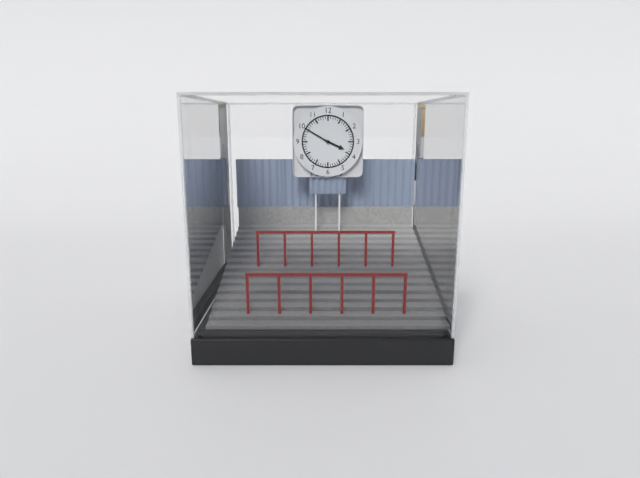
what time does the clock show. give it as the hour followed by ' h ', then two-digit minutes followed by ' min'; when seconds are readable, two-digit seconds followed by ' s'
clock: 3 h 50 min
